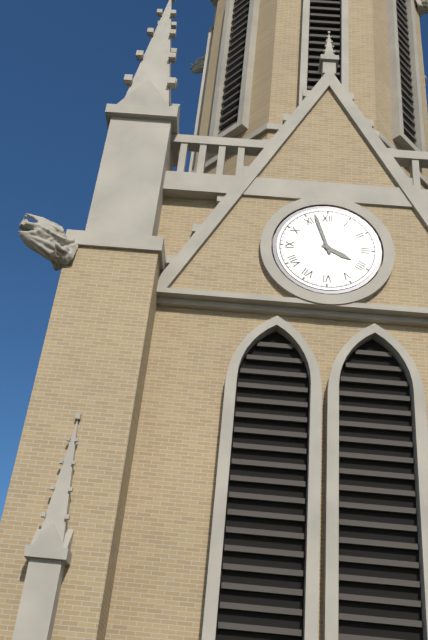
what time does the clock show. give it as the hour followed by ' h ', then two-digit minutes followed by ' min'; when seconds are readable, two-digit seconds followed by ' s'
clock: 3 h 57 min
